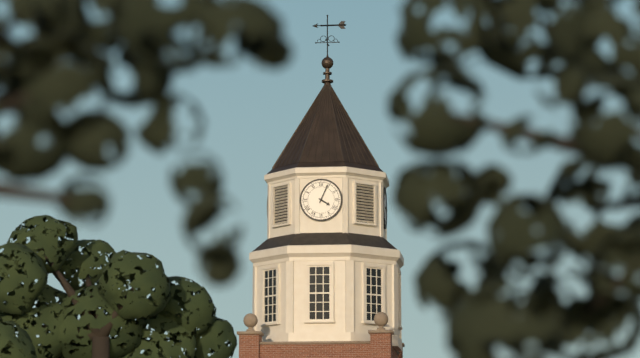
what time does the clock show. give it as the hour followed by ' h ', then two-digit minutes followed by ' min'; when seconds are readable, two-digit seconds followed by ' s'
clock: 4 h 04 min
